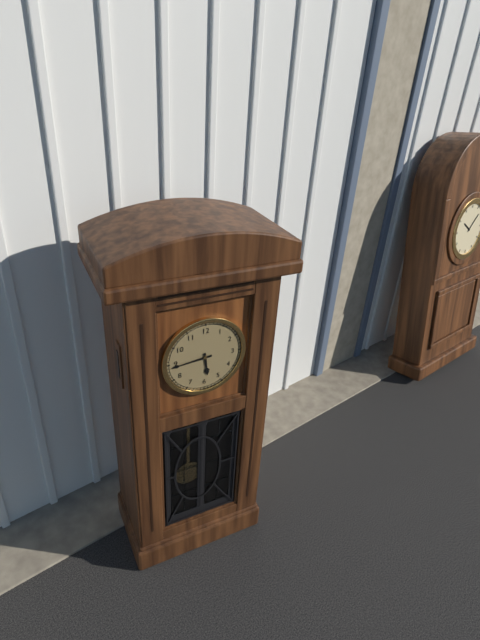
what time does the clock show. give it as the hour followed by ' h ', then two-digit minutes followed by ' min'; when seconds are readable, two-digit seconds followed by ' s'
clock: 5 h 44 min
